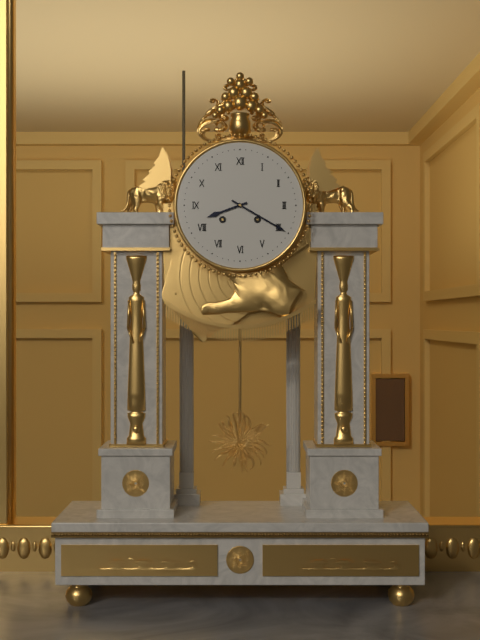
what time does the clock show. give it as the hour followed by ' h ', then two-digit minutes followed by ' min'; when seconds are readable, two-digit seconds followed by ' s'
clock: 8 h 20 min
